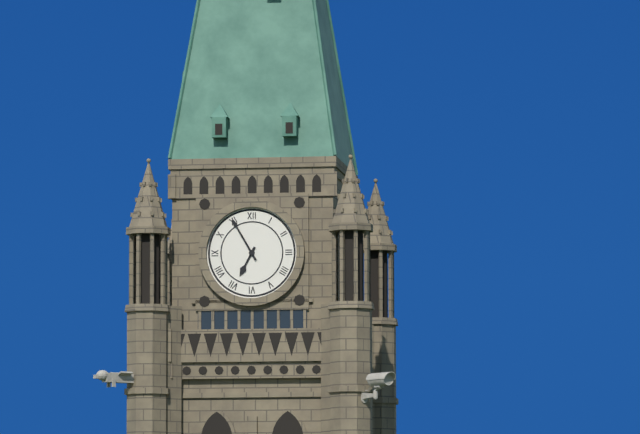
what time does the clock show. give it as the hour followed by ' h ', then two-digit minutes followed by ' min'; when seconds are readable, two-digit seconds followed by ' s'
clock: 6 h 55 min
